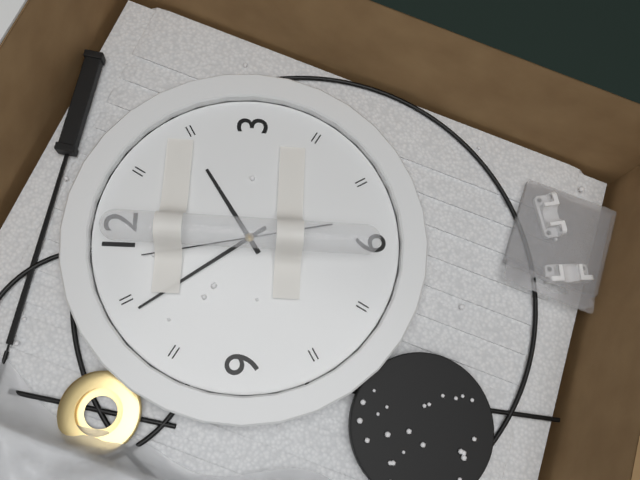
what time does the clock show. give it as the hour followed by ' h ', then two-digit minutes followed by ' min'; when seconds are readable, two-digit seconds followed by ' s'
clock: 1 h 54 min 58 s
